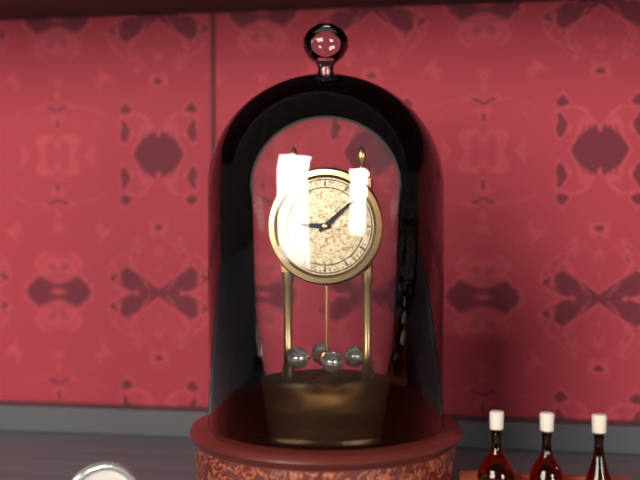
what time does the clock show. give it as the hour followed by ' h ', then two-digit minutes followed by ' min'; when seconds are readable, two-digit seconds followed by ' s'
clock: 9 h 08 min
